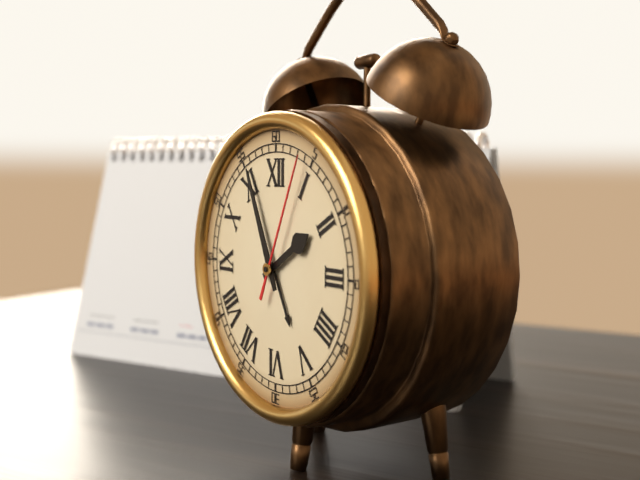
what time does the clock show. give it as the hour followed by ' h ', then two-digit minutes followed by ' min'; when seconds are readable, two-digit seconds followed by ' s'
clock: 1 h 56 min 04 s
